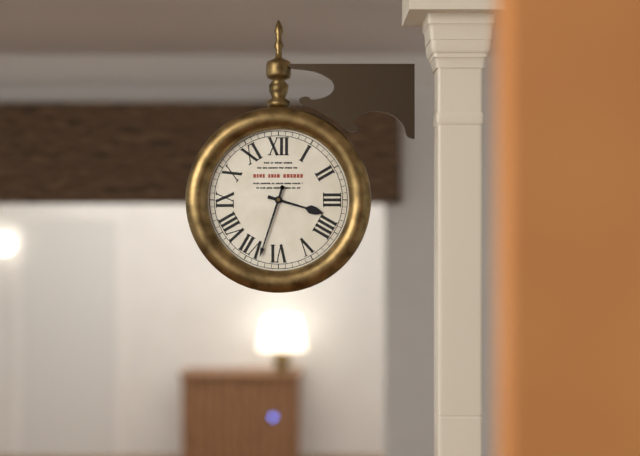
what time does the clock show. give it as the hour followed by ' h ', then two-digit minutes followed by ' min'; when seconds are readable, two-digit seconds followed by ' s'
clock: 3 h 33 min
